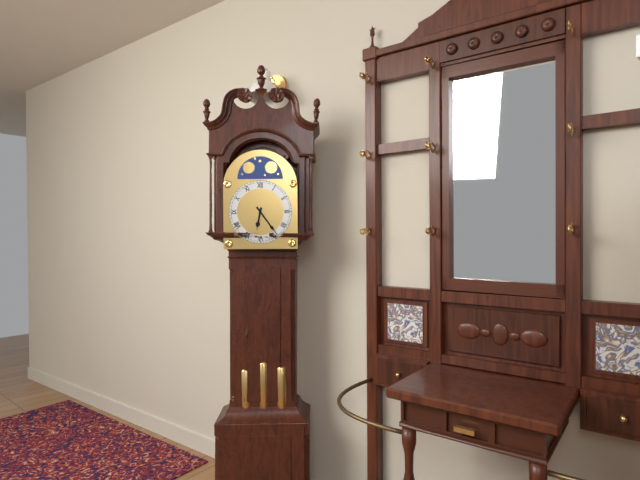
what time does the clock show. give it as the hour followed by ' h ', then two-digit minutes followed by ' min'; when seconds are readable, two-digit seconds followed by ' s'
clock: 6 h 24 min
